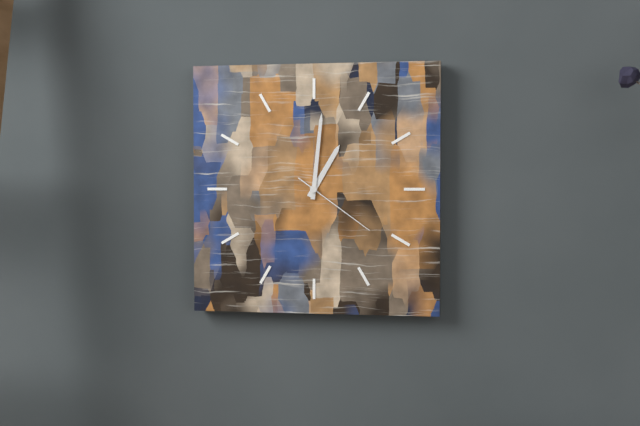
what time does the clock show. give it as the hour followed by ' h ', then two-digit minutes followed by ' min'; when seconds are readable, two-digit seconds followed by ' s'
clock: 1 h 01 min 21 s
